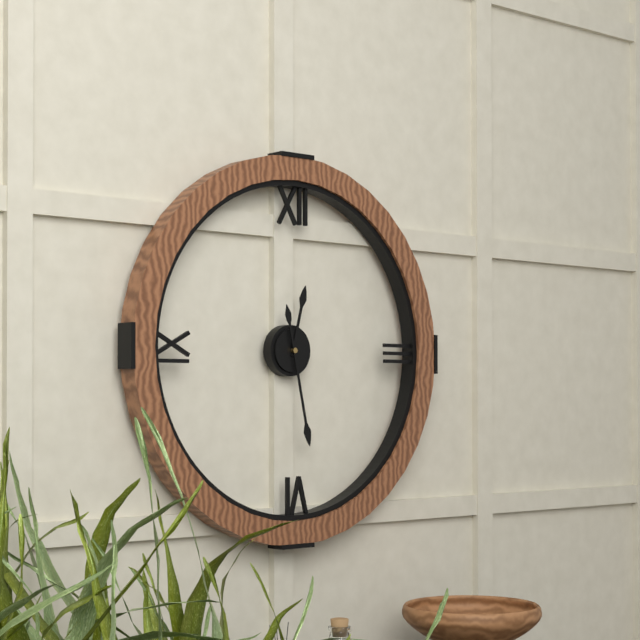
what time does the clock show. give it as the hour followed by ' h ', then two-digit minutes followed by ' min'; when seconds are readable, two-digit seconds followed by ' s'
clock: 12 h 28 min
